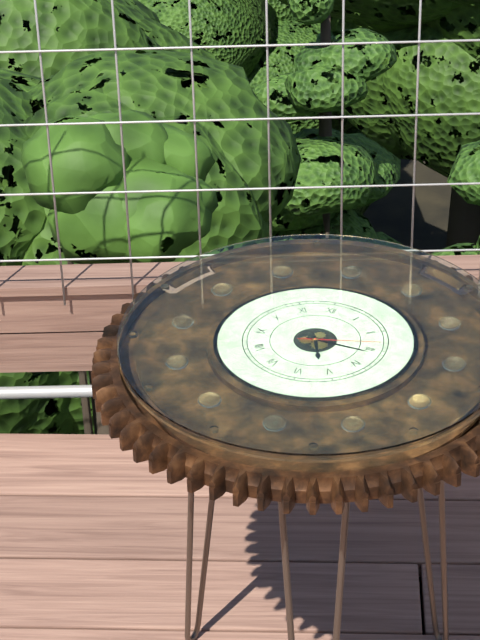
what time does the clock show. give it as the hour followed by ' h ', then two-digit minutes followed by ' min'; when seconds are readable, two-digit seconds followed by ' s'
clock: 5 h 16 min 13 s
